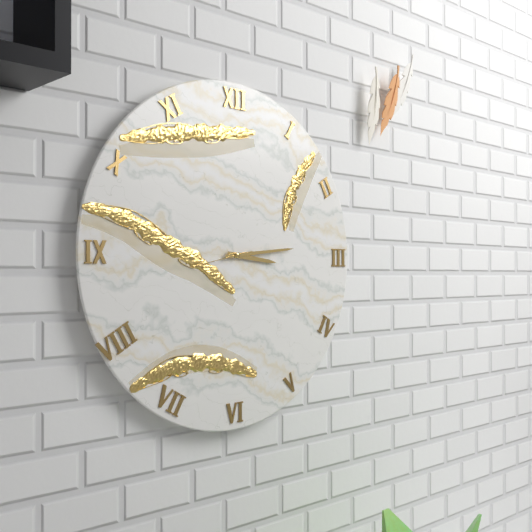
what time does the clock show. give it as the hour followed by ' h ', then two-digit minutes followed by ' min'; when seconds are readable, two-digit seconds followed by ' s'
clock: 3 h 14 min
